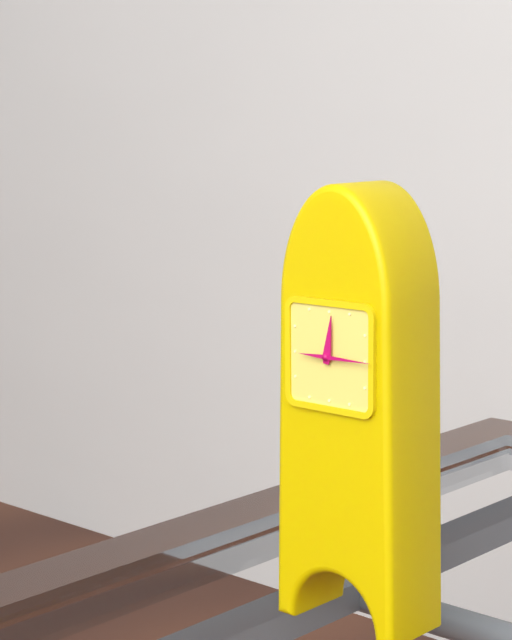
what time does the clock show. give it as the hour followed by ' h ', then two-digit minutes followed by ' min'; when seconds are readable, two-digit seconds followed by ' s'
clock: 12 h 15 min
